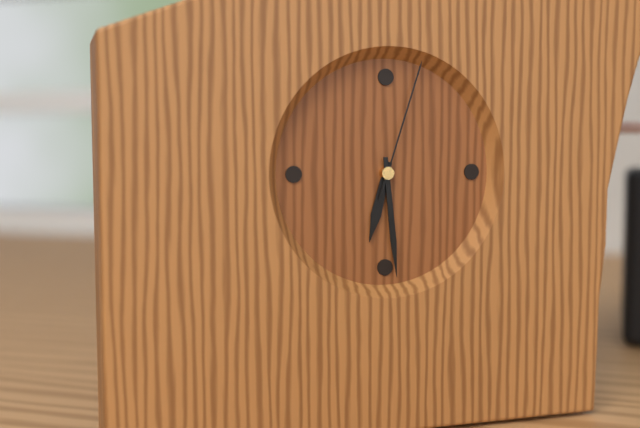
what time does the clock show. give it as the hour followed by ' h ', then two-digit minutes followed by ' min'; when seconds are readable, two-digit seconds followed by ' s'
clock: 6 h 29 min 03 s
